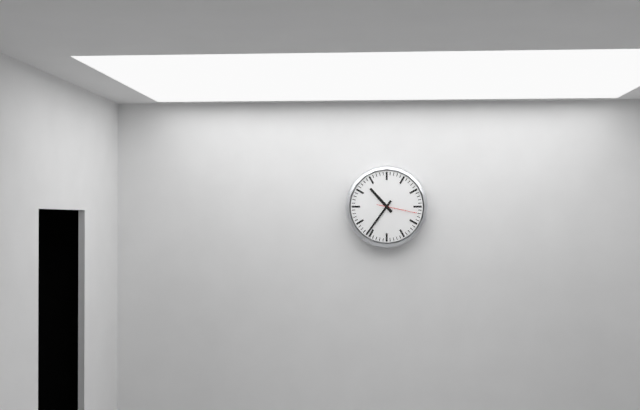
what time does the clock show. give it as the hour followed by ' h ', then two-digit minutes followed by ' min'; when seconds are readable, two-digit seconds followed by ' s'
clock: 10 h 36 min
